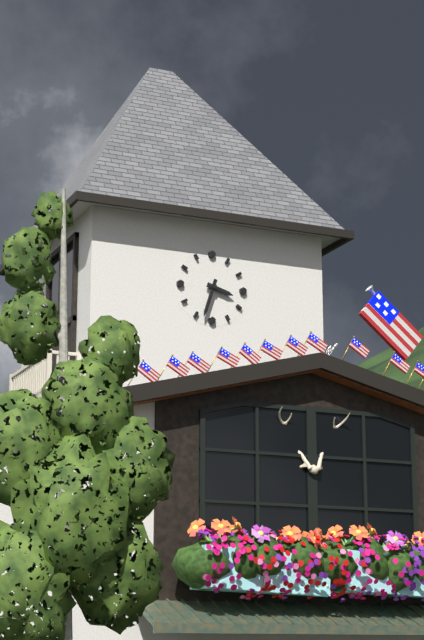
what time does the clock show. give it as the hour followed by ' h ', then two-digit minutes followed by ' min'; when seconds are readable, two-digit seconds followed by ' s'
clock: 3 h 33 min
